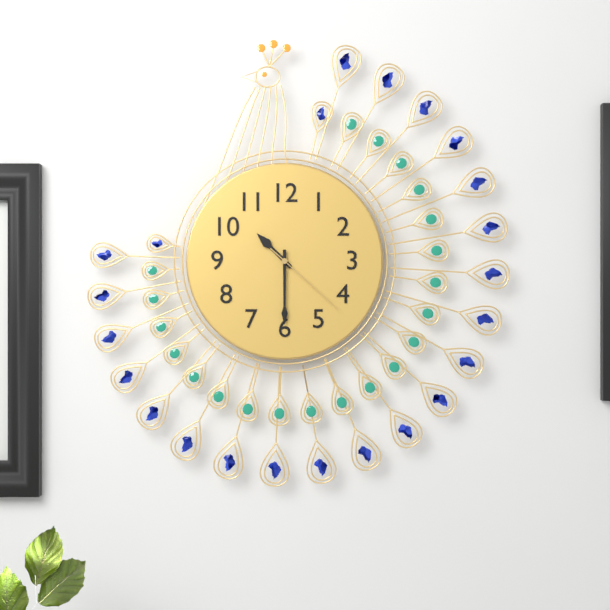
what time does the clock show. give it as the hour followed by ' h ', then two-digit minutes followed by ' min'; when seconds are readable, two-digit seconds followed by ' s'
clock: 10 h 30 min 22 s
